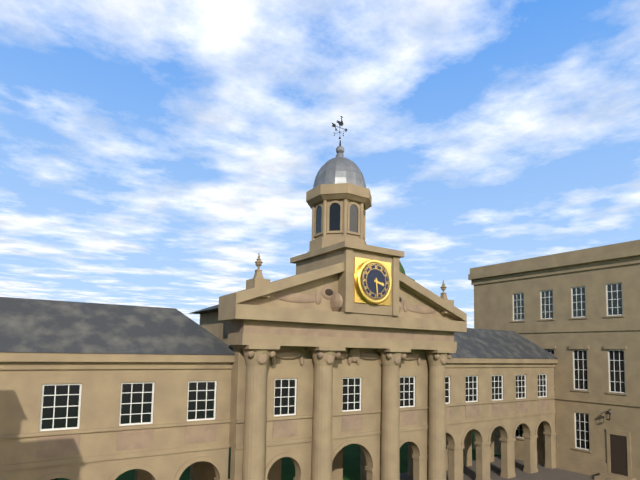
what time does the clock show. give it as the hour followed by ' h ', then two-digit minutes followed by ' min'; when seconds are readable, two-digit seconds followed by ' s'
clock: 3 h 29 min
